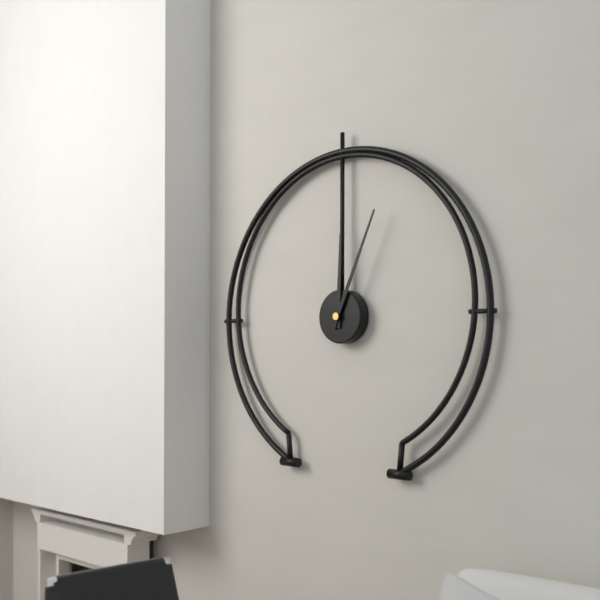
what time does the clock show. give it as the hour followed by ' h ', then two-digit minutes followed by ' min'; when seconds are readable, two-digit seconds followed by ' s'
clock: 12 h 04 min
